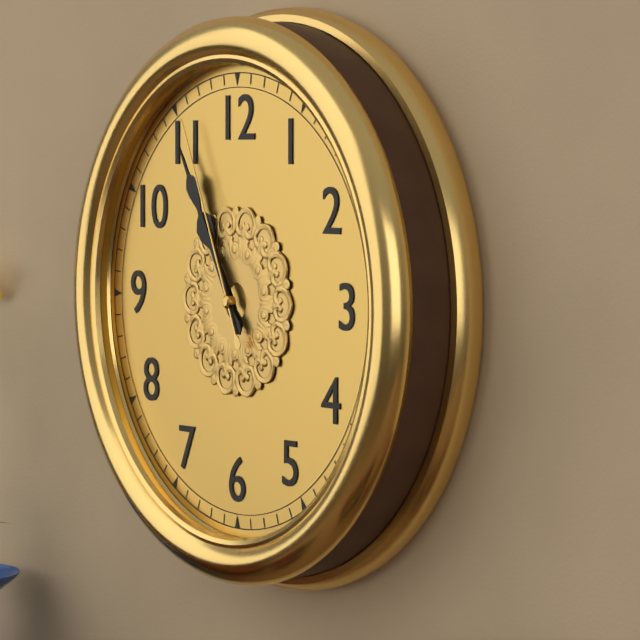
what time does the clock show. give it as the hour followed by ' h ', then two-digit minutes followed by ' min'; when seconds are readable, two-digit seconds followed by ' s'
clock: 10 h 55 min 56 s
